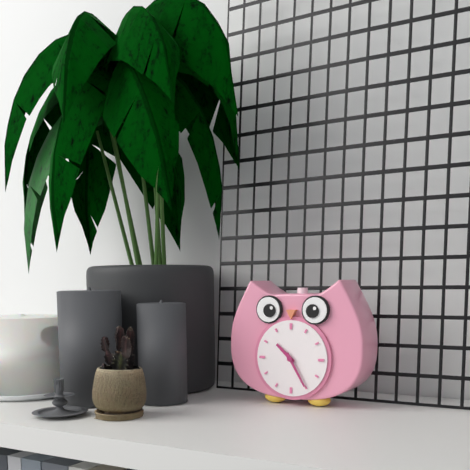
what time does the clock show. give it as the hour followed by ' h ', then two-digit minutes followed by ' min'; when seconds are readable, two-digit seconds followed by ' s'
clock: 10 h 25 min
